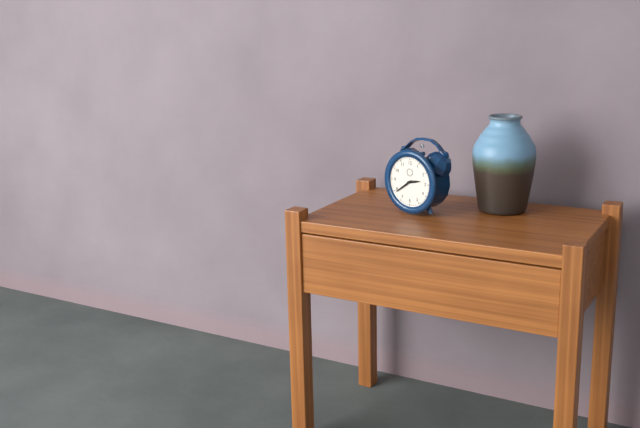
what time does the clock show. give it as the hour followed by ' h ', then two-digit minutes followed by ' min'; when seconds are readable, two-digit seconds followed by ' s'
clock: 2 h 39 min
